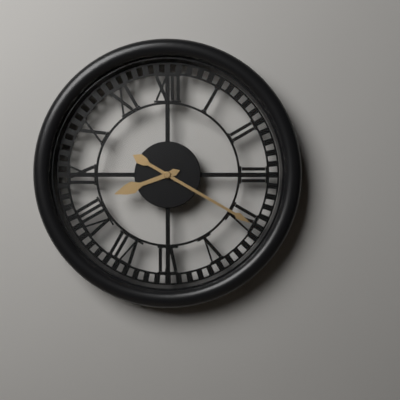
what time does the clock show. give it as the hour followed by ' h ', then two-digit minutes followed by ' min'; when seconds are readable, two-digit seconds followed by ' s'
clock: 8 h 20 min
